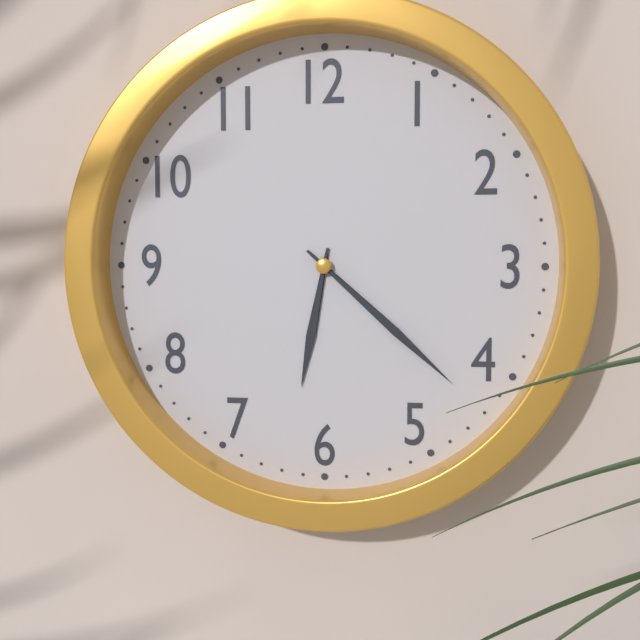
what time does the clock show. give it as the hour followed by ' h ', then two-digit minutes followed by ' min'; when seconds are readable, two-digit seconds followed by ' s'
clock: 6 h 22 min
